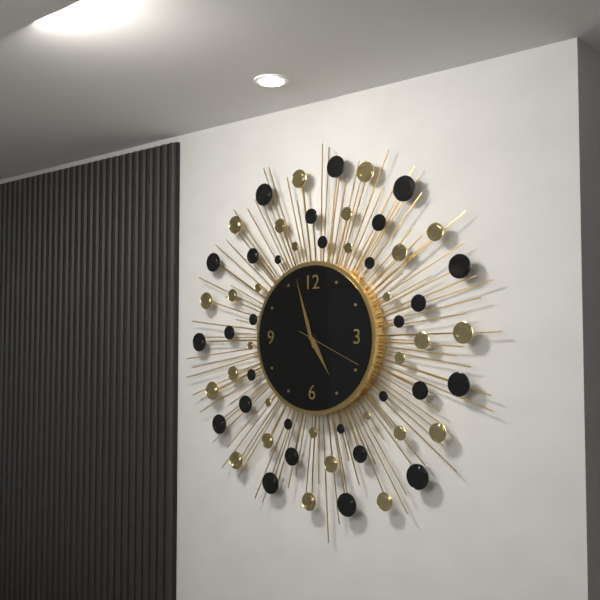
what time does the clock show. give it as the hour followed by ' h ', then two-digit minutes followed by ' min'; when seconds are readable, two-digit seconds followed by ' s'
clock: 4 h 57 min 19 s
